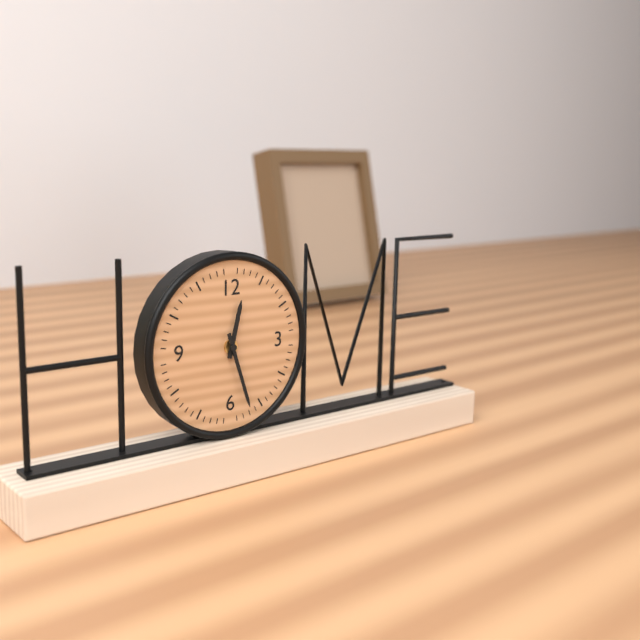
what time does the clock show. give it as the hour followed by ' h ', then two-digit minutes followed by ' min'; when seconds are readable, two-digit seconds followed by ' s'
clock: 12 h 27 min
